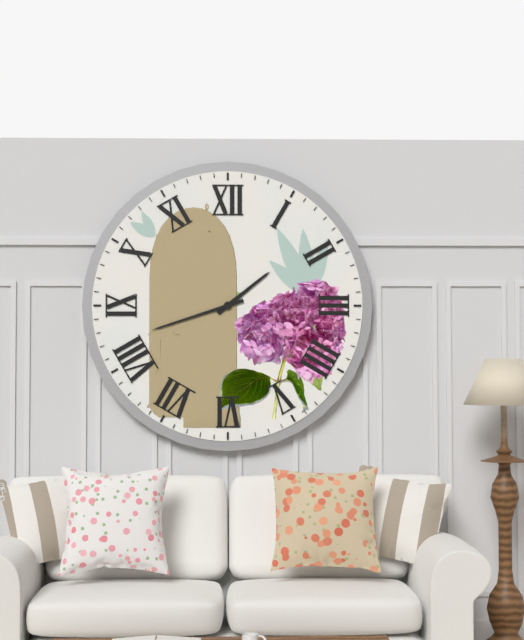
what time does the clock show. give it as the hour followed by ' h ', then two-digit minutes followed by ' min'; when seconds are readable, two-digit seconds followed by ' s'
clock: 1 h 42 min
